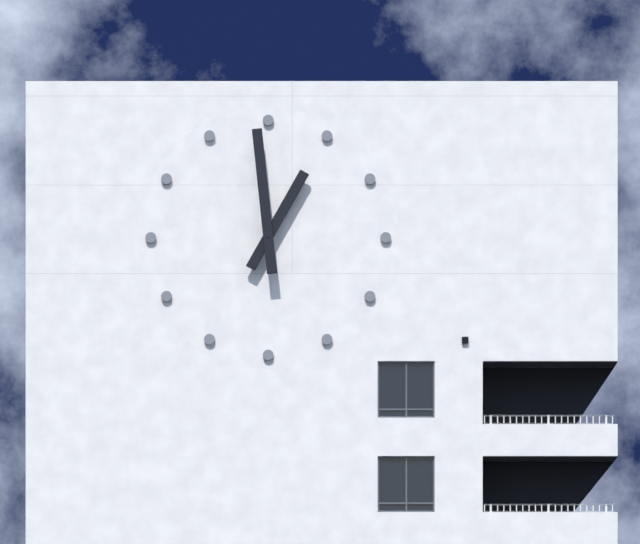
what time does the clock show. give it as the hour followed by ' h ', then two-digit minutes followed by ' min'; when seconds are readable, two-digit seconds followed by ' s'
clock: 12 h 59 min
